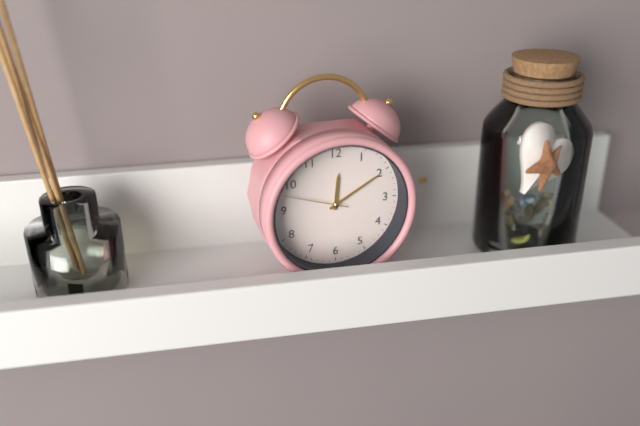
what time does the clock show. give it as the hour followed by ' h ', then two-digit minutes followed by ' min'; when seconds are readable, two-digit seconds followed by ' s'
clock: 12 h 10 min 48 s
